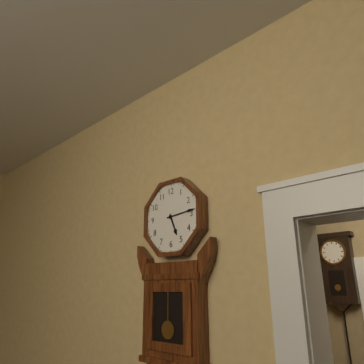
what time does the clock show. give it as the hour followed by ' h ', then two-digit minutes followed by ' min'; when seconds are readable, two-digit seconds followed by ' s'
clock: 5 h 14 min
